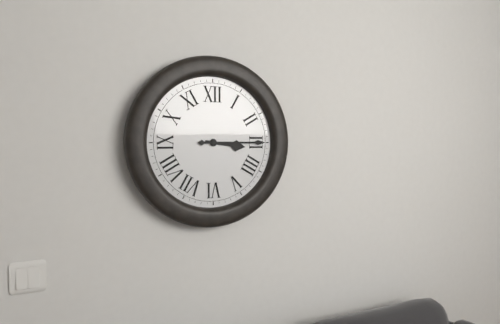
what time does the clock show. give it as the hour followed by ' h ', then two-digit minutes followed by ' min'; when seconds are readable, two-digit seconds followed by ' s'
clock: 3 h 15 min
